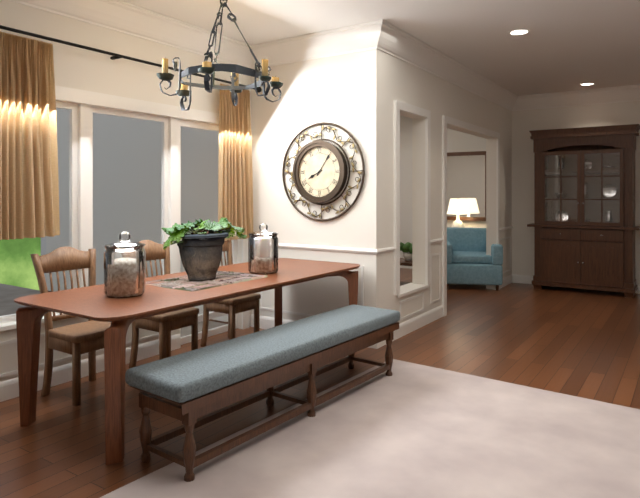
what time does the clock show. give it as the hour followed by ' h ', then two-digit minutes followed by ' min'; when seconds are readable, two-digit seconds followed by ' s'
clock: 8 h 06 min
